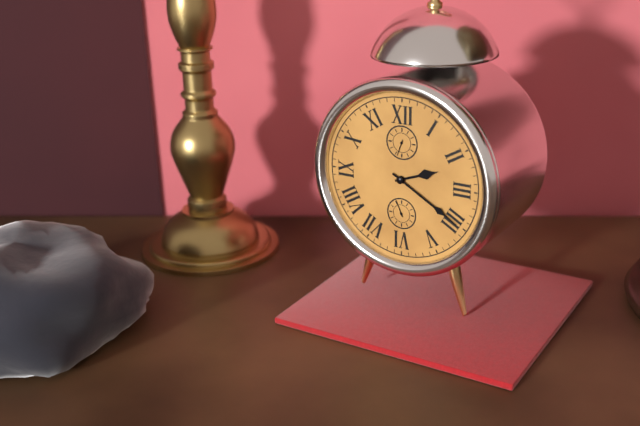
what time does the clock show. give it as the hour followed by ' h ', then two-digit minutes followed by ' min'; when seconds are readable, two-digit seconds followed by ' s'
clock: 2 h 20 min
